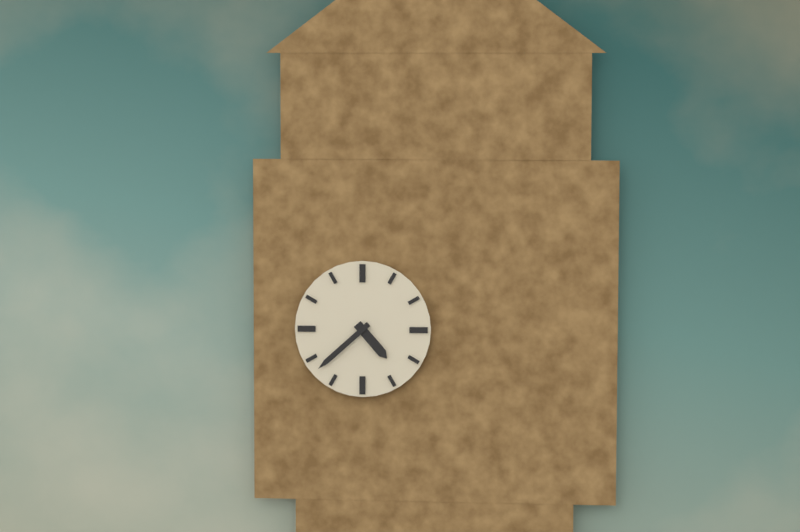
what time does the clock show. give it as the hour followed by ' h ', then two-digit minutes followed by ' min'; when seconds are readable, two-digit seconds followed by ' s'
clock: 4 h 38 min
